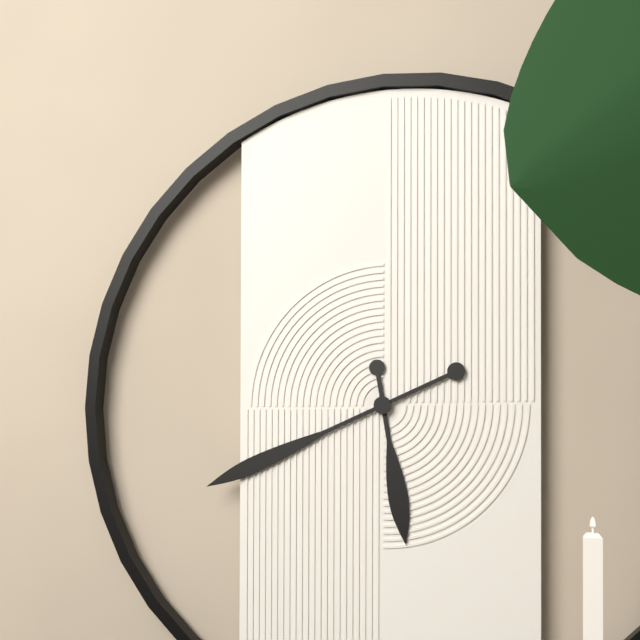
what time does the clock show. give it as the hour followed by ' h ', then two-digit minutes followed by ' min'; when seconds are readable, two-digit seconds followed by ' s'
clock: 5 h 41 min
